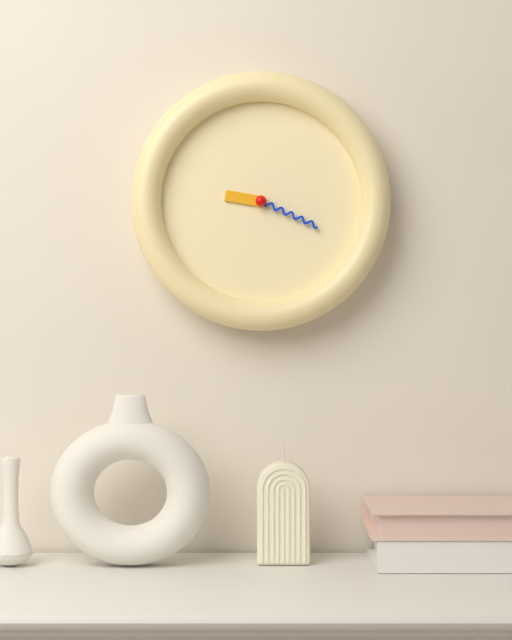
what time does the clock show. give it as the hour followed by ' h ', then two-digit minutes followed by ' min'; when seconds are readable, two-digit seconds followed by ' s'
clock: 9 h 19 min
